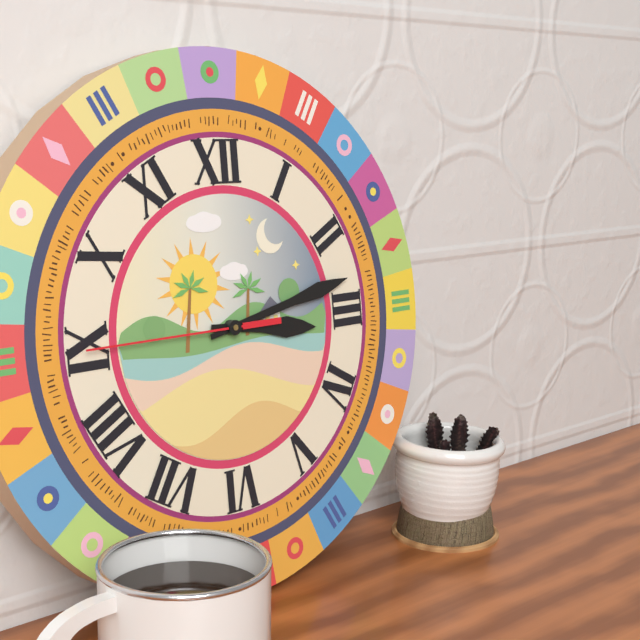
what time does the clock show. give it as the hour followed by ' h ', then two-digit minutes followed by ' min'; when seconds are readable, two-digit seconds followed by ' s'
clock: 3 h 13 min 45 s
